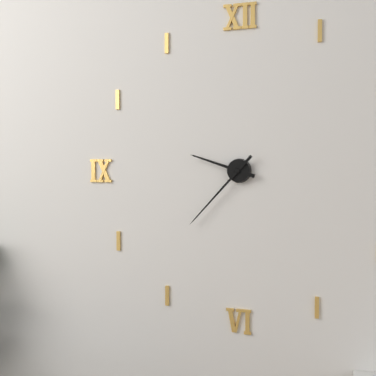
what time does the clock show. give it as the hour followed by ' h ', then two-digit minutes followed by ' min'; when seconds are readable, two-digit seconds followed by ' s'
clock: 9 h 37 min
